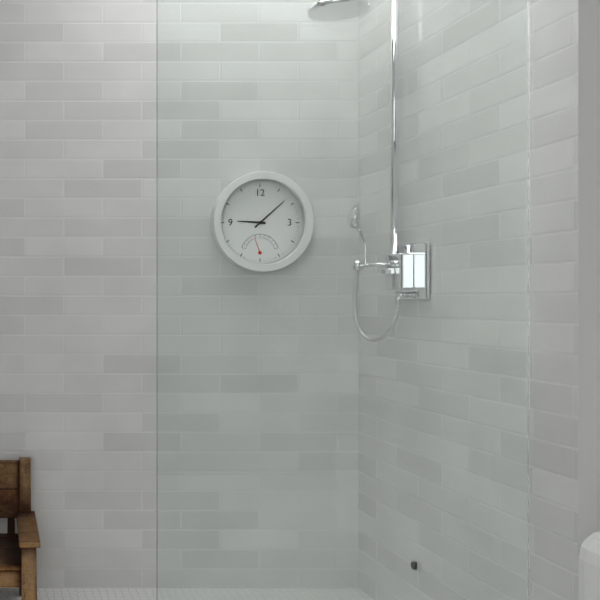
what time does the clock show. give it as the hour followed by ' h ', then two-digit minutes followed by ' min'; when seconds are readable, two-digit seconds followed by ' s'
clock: 9 h 08 min
